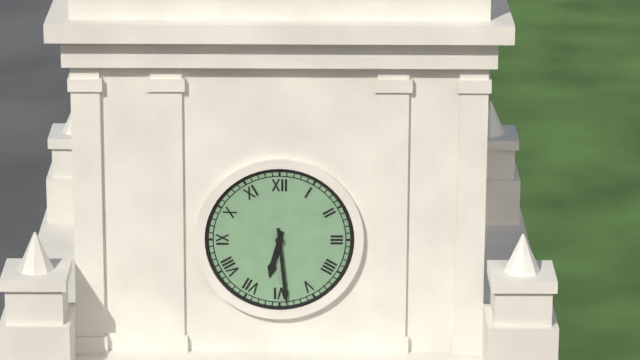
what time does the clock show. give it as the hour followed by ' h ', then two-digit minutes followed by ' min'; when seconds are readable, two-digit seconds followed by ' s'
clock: 6 h 29 min
